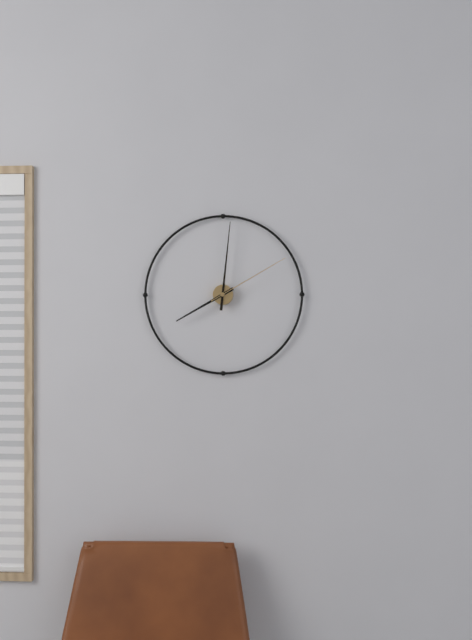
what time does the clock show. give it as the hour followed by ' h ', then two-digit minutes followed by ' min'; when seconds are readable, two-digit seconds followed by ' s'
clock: 8 h 01 min 10 s
